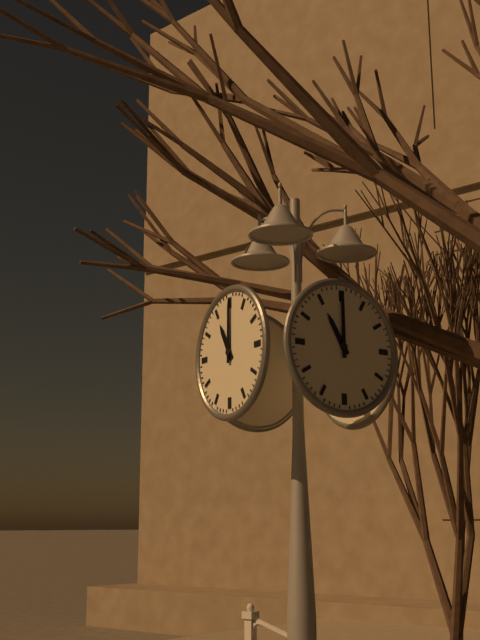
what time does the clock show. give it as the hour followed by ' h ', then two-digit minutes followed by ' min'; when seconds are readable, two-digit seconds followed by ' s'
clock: 11 h 00 min
